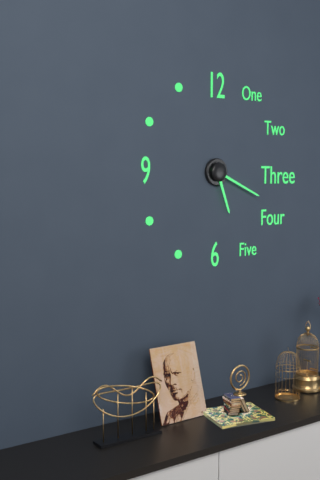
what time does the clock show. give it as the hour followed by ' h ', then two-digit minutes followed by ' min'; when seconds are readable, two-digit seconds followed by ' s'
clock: 5 h 19 min
